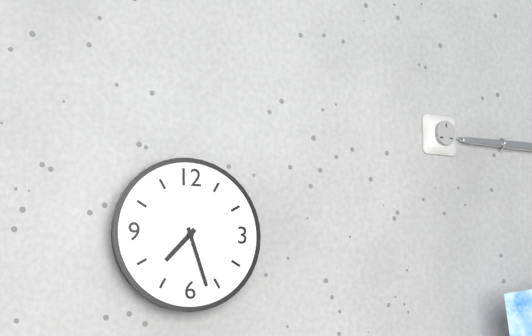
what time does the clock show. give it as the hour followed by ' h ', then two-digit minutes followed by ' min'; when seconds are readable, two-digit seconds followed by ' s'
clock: 7 h 27 min
